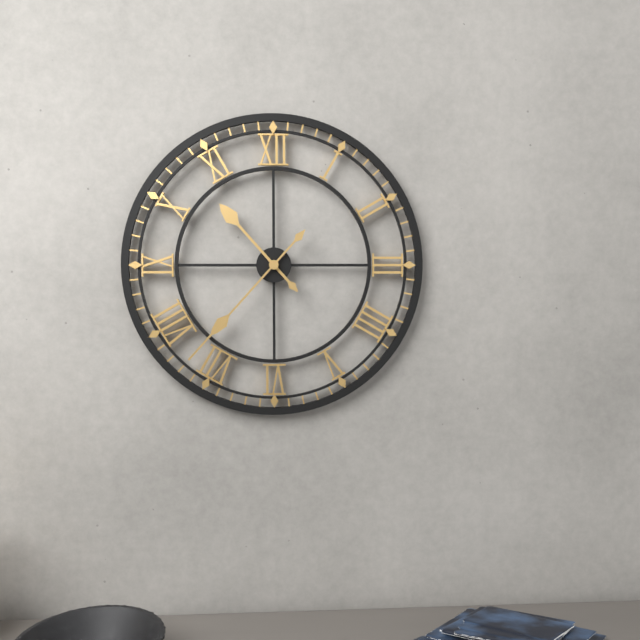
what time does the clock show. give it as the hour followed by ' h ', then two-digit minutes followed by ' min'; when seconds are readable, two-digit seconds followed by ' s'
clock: 10 h 37 min
